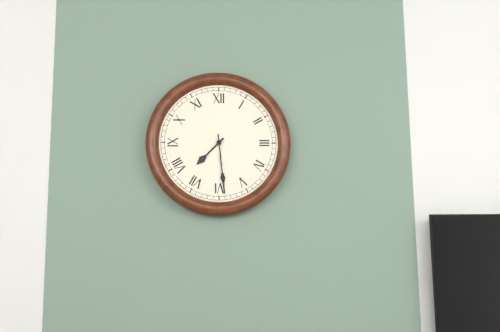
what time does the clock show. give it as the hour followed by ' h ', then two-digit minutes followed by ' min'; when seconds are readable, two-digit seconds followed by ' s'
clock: 7 h 29 min
